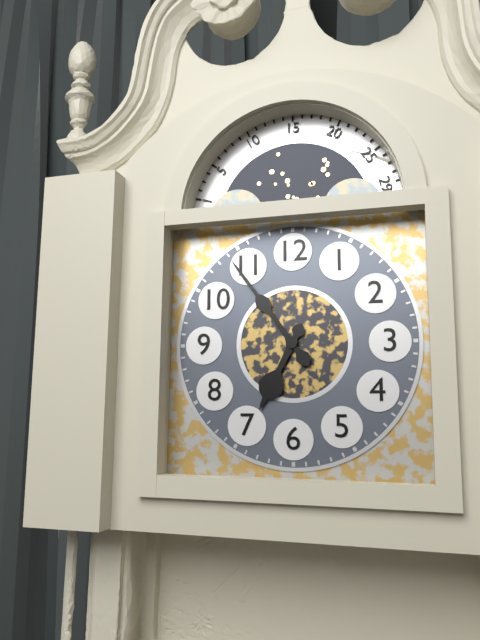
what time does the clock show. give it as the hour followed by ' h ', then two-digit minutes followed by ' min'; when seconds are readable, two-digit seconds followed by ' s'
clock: 6 h 54 min
